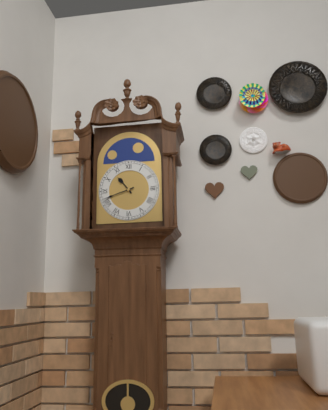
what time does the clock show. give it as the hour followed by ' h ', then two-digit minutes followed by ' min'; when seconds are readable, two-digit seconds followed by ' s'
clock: 10 h 42 min
